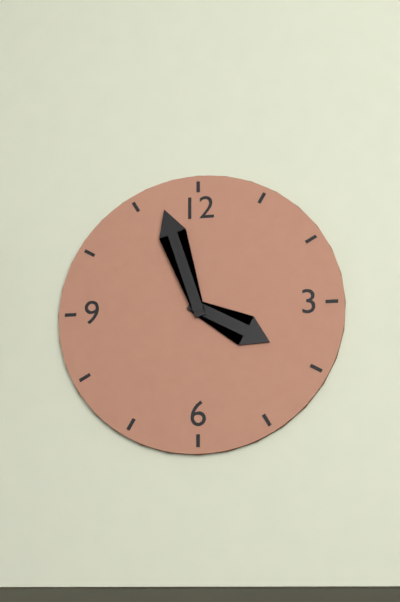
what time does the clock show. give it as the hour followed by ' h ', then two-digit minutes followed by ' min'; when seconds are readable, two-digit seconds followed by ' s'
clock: 3 h 57 min
